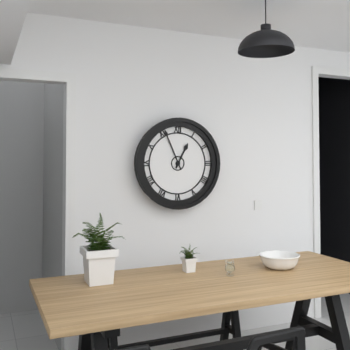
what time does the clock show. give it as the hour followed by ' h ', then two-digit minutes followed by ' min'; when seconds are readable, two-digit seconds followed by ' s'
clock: 12 h 56 min
